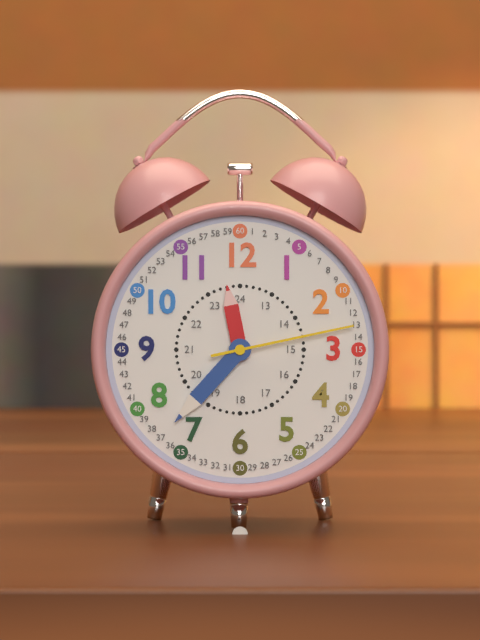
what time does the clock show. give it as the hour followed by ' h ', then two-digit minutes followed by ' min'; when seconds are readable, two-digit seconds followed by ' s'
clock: 11 h 37 min 13 s
